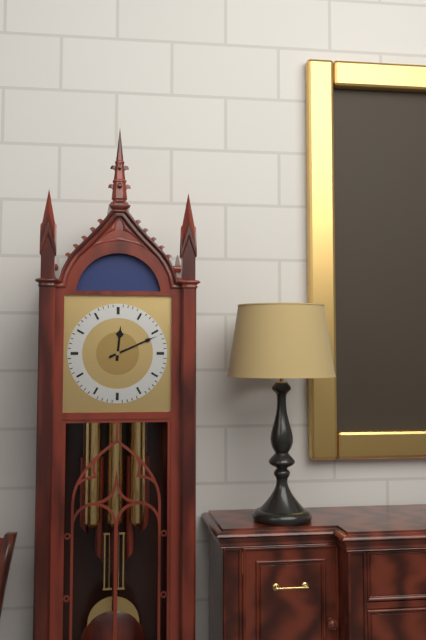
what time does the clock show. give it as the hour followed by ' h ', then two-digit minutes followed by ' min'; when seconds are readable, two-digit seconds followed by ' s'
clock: 12 h 11 min
